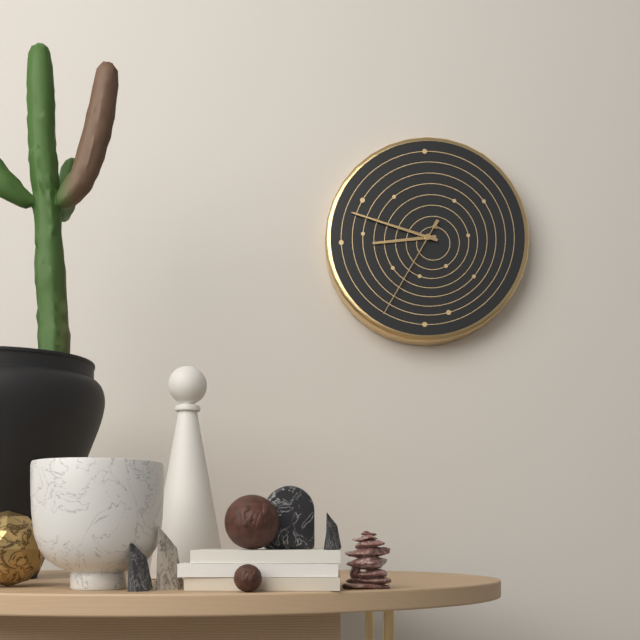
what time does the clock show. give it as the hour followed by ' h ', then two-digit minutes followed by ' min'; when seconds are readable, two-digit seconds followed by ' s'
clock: 8 h 48 min 35 s
